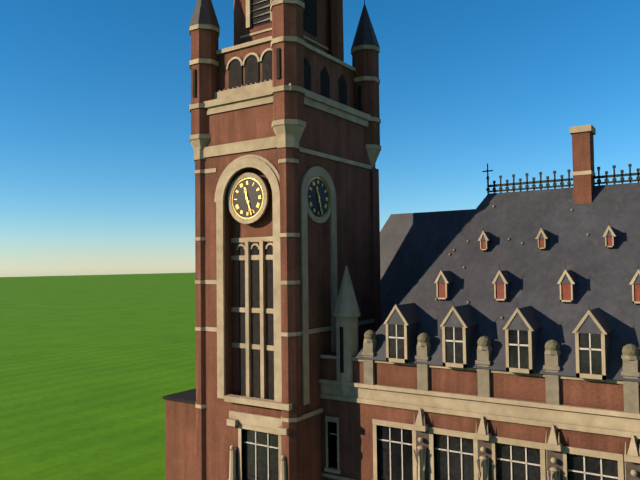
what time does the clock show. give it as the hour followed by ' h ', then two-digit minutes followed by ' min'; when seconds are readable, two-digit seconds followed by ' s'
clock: 11 h 27 min
